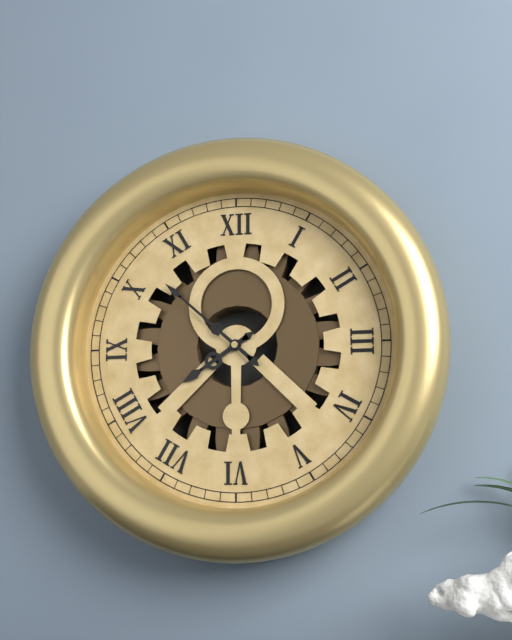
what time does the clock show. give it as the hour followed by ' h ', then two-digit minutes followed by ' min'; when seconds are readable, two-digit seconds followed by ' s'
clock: 7 h 52 min
